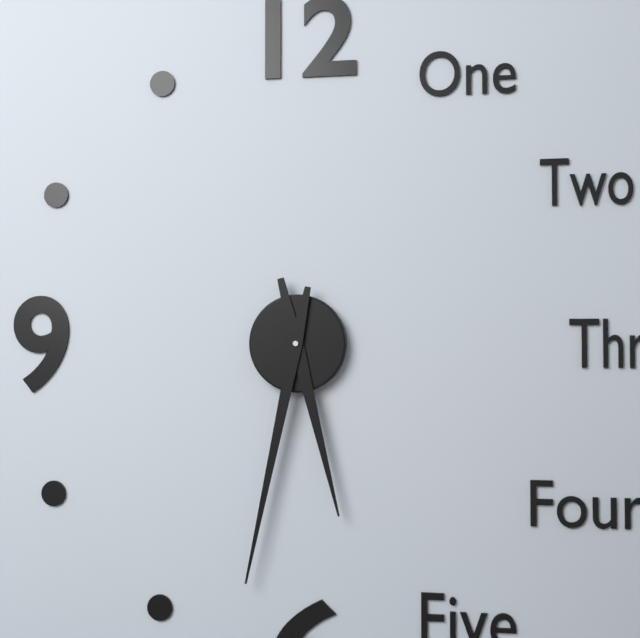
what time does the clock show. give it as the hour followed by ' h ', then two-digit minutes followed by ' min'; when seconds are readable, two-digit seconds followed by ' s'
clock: 5 h 32 min
